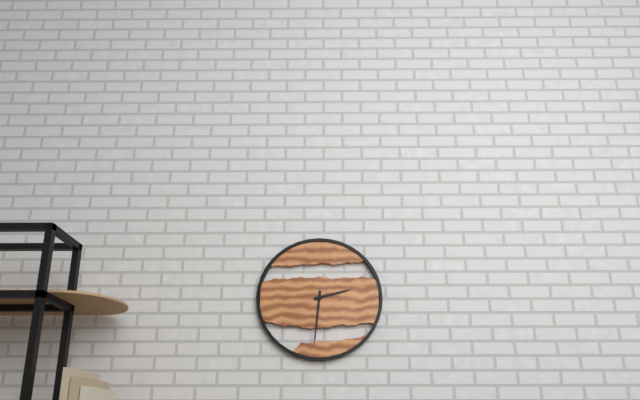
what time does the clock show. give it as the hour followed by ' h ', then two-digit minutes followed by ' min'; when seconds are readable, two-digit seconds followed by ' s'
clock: 2 h 31 min
